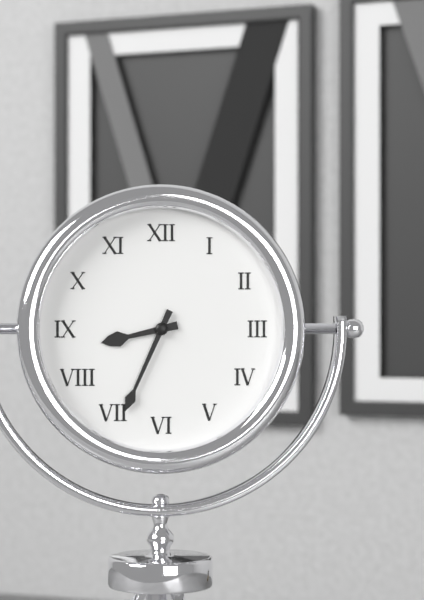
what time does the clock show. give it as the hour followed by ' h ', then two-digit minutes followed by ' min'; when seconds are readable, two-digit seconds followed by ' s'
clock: 8 h 34 min
